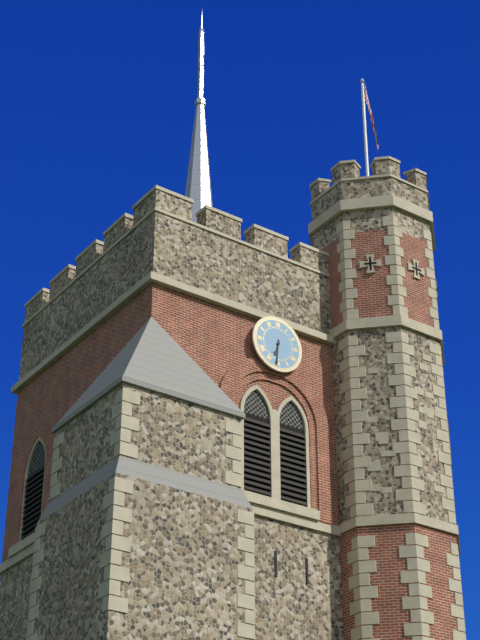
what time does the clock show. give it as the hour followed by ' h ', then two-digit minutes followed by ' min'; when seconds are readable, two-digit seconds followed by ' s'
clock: 6 h 31 min
